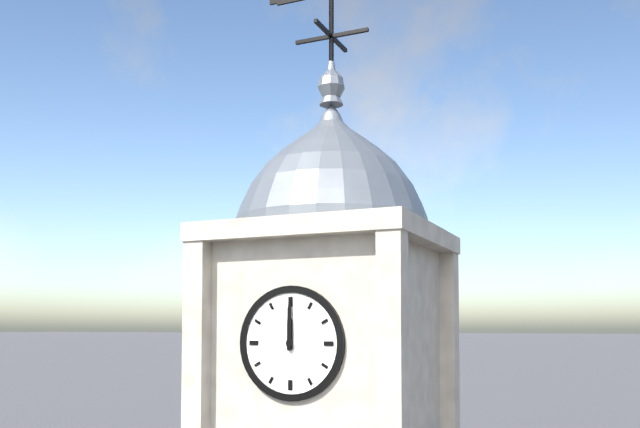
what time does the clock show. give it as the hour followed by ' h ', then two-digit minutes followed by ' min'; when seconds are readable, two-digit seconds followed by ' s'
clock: 12 h 00 min
